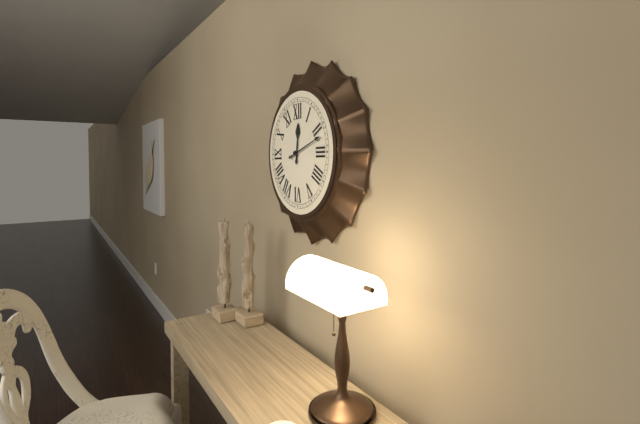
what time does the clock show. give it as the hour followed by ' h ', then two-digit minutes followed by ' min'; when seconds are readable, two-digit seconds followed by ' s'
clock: 12 h 12 min
